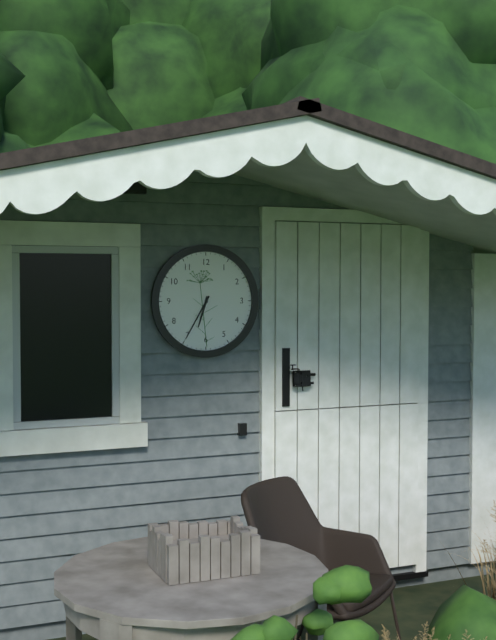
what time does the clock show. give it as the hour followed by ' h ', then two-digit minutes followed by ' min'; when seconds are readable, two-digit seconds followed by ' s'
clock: 6 h 35 min
